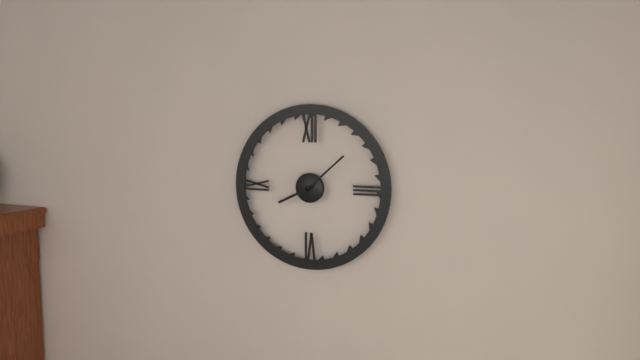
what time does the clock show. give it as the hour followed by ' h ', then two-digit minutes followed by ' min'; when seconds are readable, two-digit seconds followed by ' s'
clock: 8 h 08 min
